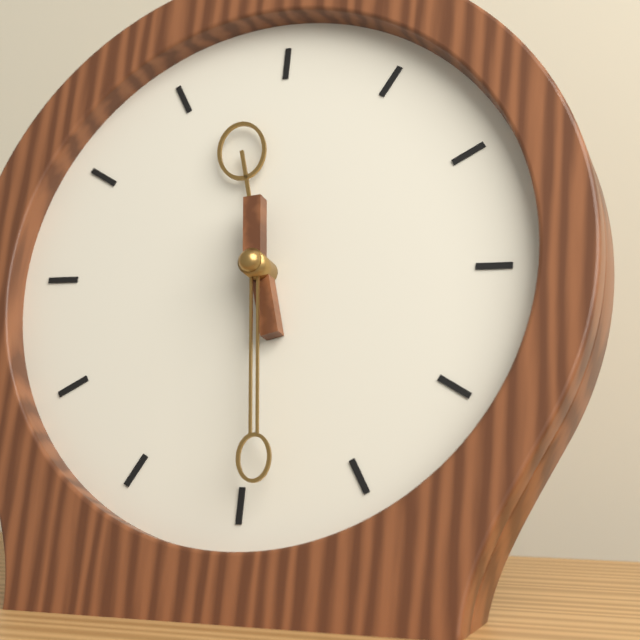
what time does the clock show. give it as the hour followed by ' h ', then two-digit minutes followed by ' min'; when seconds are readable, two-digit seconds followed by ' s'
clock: 11 h 29 min
